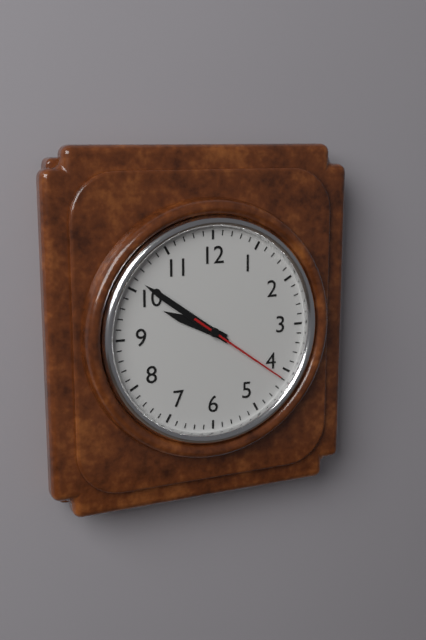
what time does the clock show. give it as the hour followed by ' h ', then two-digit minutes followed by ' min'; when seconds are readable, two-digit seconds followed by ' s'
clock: 9 h 51 min 21 s
